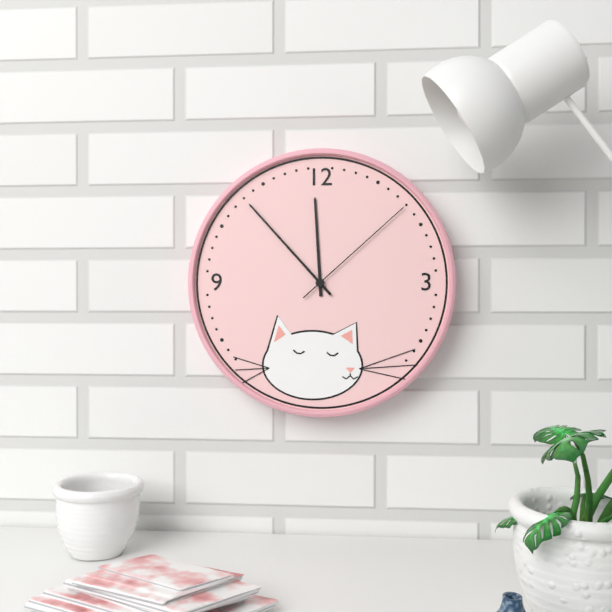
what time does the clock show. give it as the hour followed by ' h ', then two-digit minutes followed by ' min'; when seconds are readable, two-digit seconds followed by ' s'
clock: 11 h 53 min 08 s
